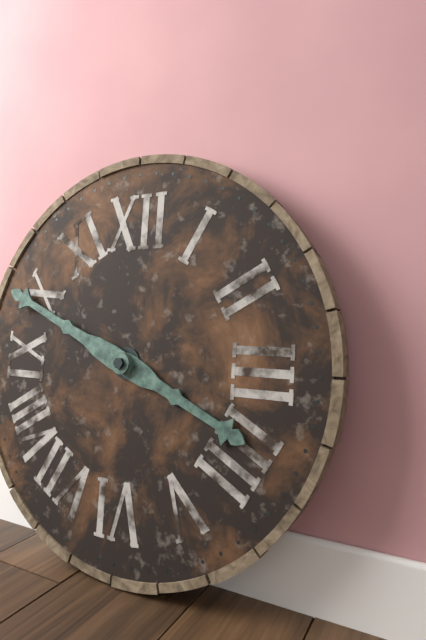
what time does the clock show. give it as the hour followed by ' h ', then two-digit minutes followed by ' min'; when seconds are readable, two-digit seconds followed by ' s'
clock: 3 h 49 min
